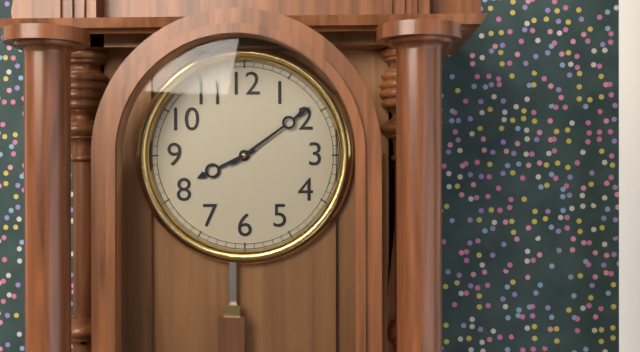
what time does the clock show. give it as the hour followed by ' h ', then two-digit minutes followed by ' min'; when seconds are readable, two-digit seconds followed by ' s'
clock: 8 h 09 min
